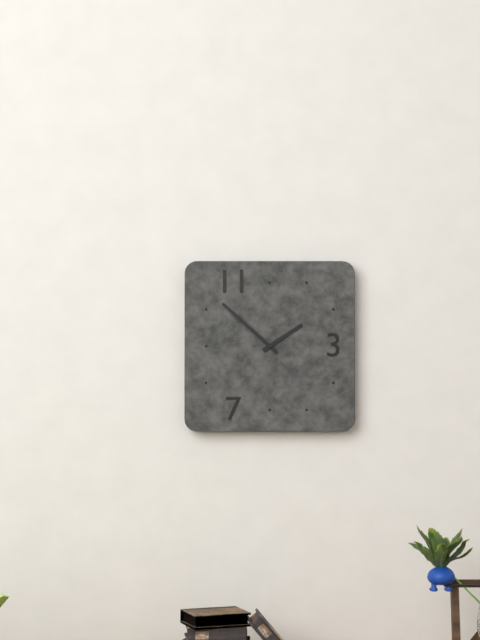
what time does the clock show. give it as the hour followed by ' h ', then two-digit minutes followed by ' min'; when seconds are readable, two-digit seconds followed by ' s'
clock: 1 h 52 min
